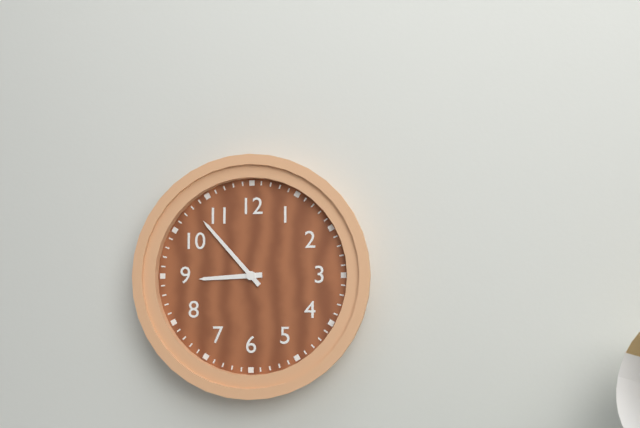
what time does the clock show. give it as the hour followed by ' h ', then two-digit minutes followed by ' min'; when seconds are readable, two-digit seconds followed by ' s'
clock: 8 h 53 min
